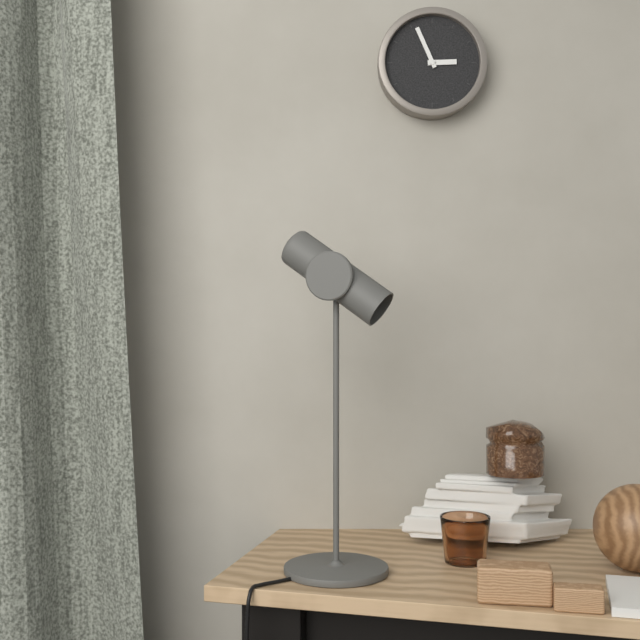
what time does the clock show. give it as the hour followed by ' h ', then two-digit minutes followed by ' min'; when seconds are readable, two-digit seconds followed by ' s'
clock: 2 h 56 min
